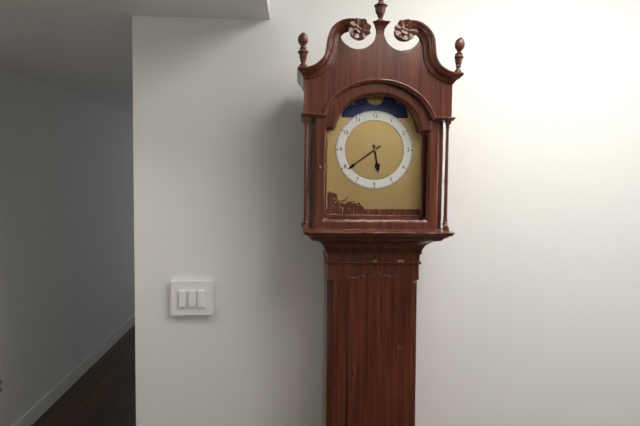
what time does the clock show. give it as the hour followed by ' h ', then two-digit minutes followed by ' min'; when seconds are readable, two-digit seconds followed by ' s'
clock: 5 h 39 min
